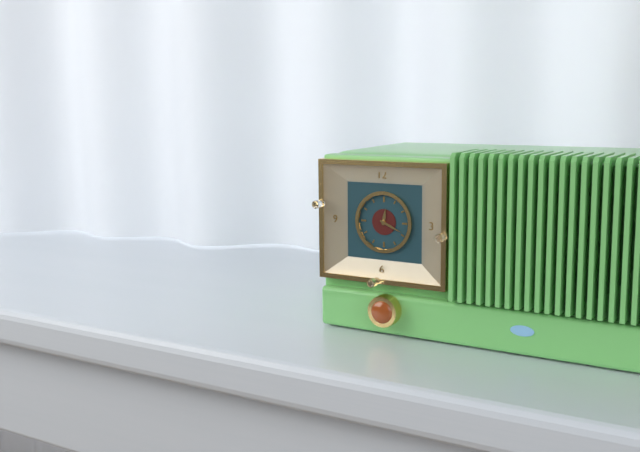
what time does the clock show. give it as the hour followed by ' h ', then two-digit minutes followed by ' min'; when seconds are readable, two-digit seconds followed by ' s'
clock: 12 h 19 min
